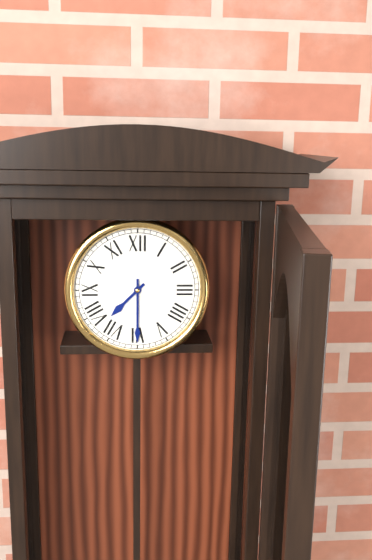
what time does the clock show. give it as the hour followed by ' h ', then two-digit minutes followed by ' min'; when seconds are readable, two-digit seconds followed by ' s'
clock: 7 h 30 min
